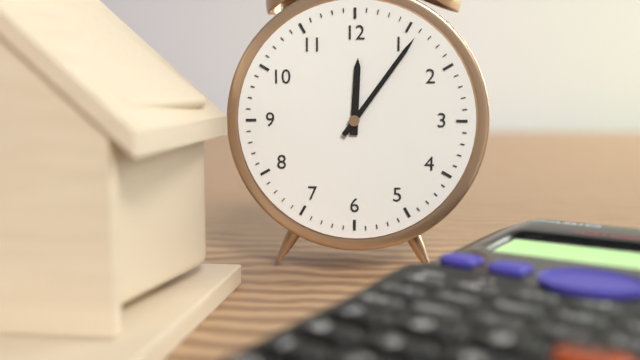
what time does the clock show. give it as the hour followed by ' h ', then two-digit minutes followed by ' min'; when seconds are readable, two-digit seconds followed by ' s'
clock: 12 h 06 min
